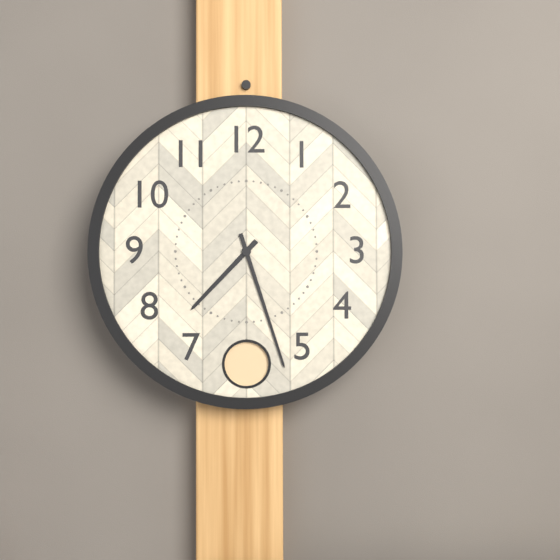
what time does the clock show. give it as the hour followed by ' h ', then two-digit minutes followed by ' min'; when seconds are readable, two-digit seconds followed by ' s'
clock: 7 h 27 min
